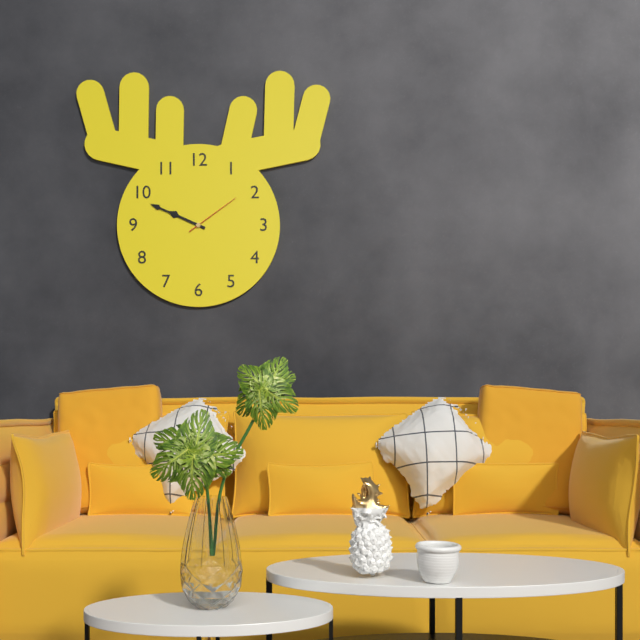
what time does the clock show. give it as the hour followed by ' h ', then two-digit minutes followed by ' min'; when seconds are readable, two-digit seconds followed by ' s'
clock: 9 h 49 min 09 s
